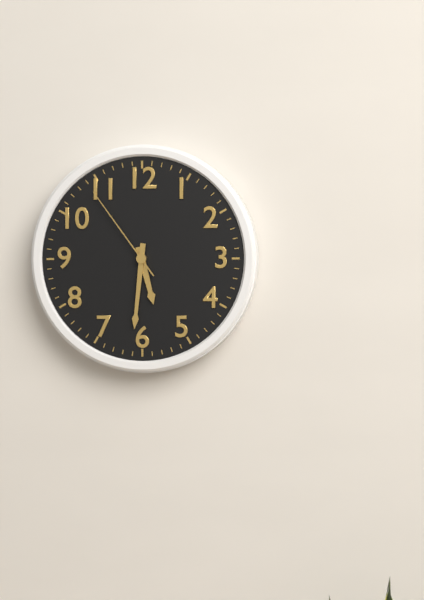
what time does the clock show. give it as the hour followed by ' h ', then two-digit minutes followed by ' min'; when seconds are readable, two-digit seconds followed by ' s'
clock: 5 h 31 min 54 s
